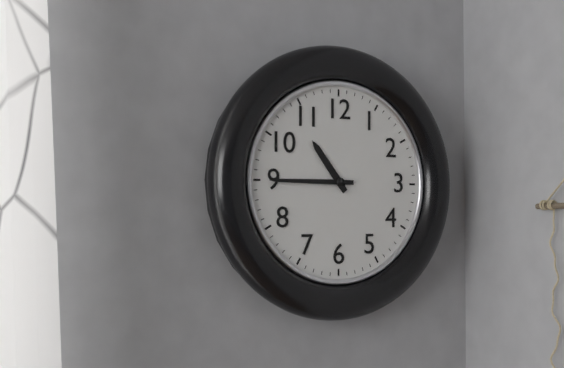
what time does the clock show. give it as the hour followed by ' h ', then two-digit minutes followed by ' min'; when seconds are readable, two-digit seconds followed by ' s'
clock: 10 h 45 min
